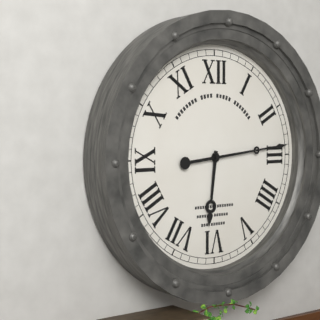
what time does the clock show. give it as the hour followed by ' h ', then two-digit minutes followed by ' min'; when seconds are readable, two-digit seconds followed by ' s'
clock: 6 h 14 min
